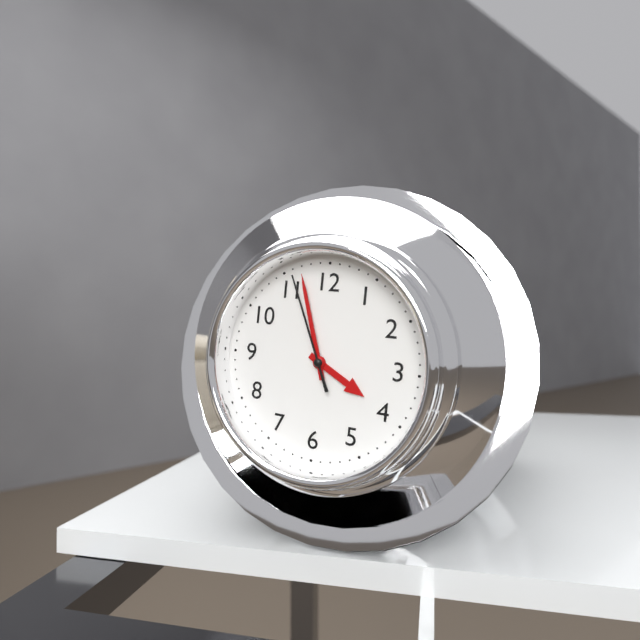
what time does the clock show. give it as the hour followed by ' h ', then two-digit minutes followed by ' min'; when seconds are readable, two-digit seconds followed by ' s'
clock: 3 h 57 min 56 s
